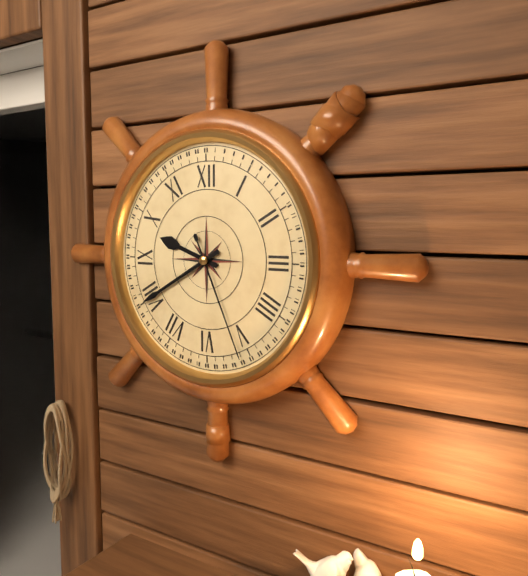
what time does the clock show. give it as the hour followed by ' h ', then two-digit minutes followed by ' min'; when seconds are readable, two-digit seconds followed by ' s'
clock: 9 h 40 min 26 s
